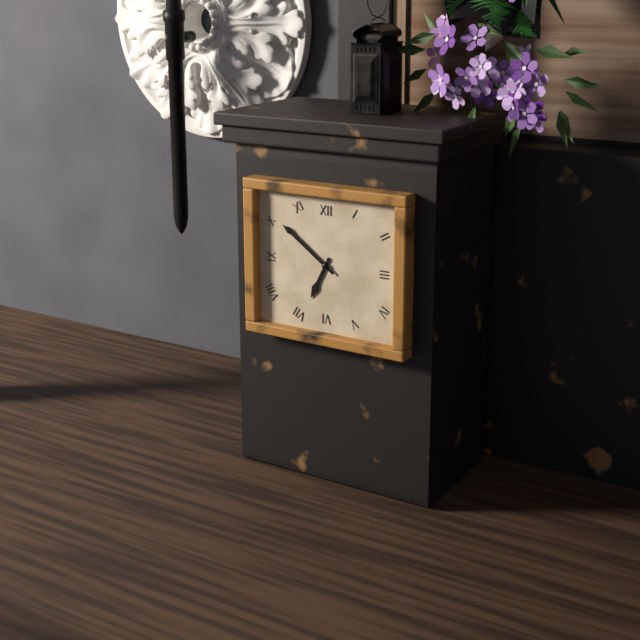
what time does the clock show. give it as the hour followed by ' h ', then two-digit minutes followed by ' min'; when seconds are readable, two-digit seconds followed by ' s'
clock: 6 h 51 min
